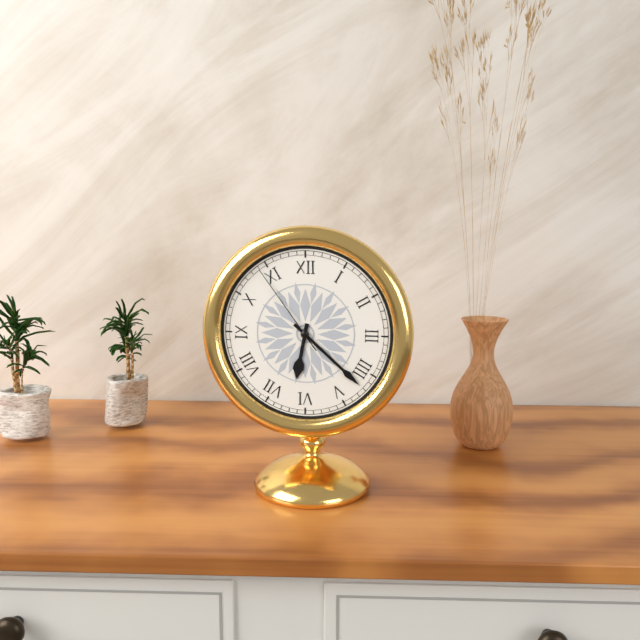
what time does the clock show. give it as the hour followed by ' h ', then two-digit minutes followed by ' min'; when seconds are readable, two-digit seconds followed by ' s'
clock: 6 h 22 min 54 s
